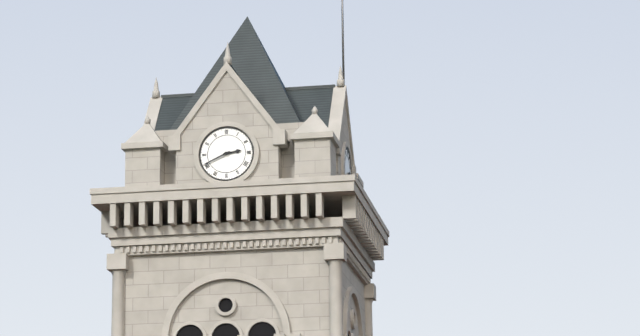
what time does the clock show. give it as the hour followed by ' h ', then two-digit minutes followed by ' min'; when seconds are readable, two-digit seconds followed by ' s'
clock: 2 h 41 min
